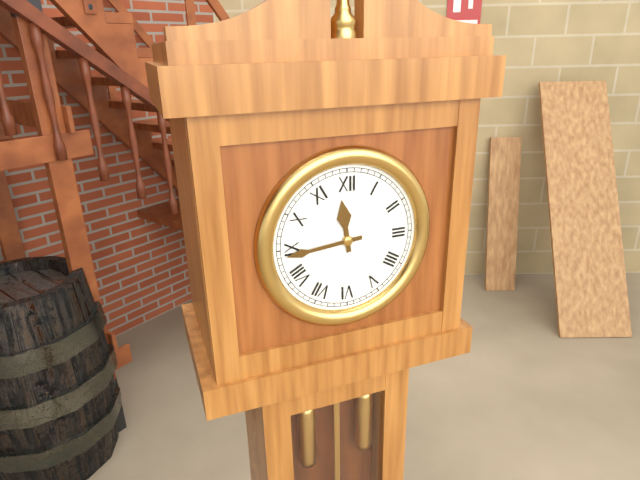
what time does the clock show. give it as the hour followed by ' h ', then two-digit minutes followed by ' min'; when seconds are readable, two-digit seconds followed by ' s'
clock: 11 h 44 min
